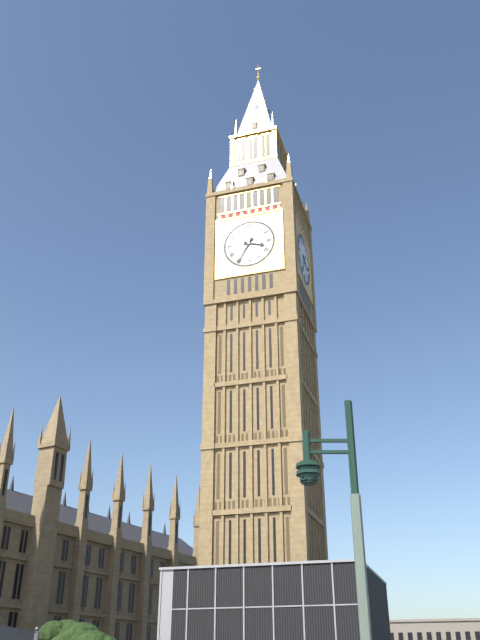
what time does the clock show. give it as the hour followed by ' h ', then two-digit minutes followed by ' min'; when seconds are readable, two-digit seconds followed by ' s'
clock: 3 h 35 min
